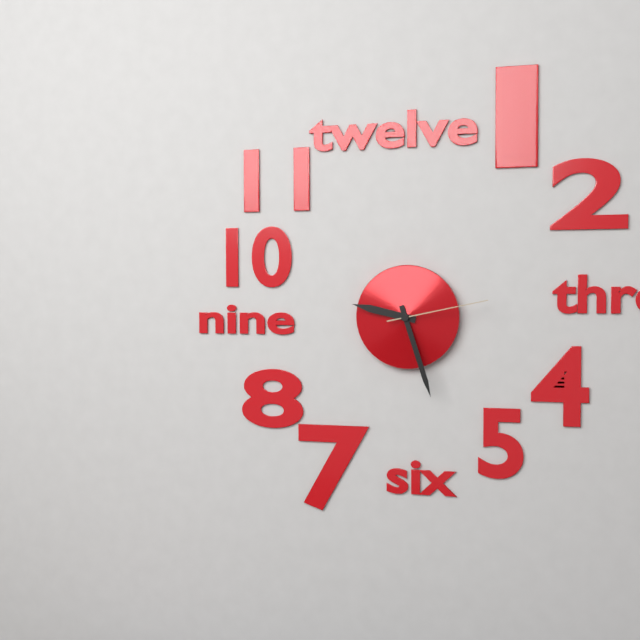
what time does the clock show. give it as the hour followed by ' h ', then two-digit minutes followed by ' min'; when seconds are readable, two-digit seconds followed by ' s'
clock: 9 h 27 min 13 s
